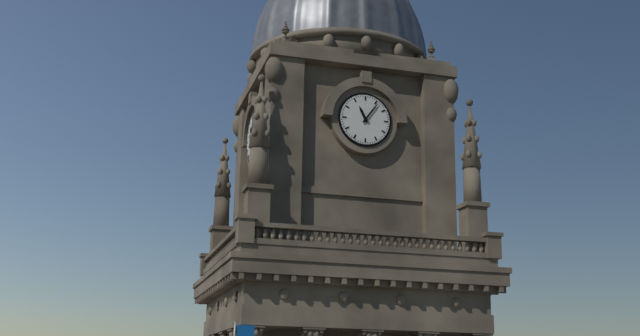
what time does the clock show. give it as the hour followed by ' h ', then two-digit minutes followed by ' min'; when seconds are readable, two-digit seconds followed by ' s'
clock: 11 h 06 min
